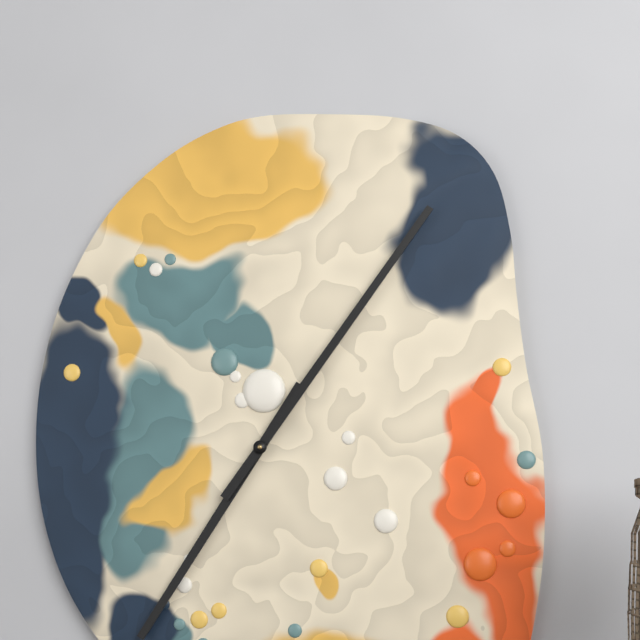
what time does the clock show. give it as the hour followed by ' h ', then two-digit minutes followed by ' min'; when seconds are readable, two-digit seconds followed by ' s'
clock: 7 h 06 min
